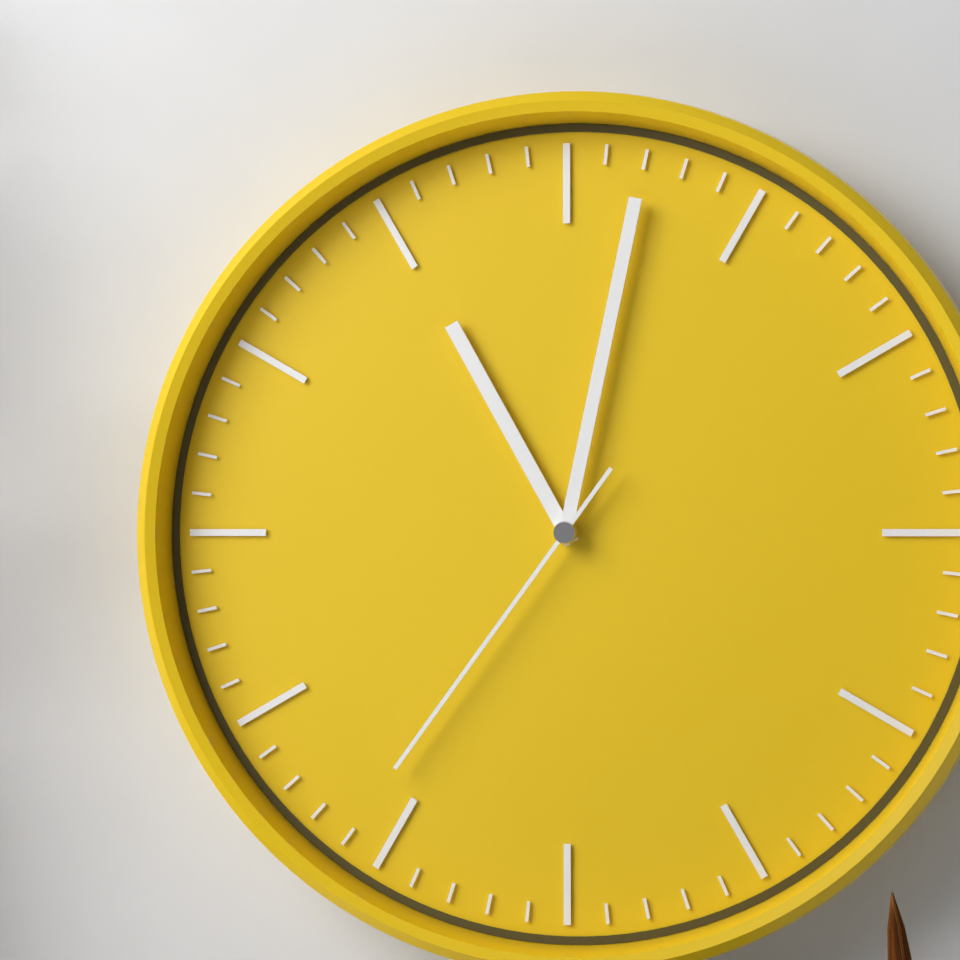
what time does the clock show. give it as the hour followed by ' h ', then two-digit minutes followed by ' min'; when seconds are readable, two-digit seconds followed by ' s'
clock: 11 h 02 min 36 s
